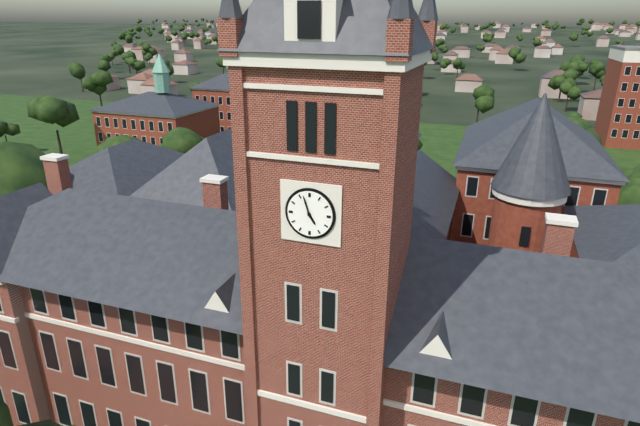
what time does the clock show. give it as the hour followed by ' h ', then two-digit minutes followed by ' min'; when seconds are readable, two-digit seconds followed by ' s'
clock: 4 h 57 min
